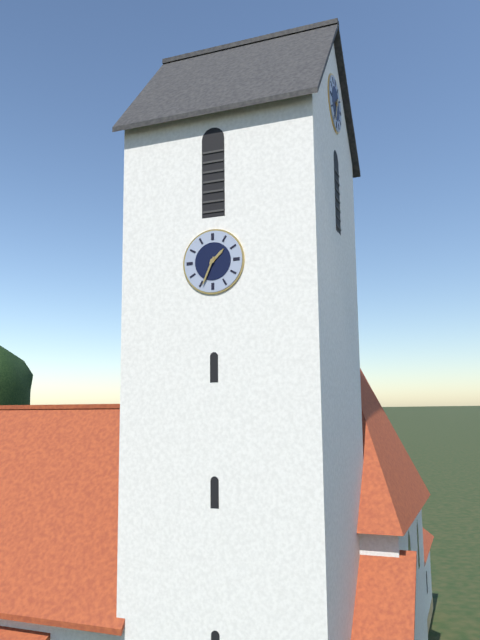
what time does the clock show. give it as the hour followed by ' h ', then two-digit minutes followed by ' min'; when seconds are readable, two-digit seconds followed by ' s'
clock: 1 h 34 min
